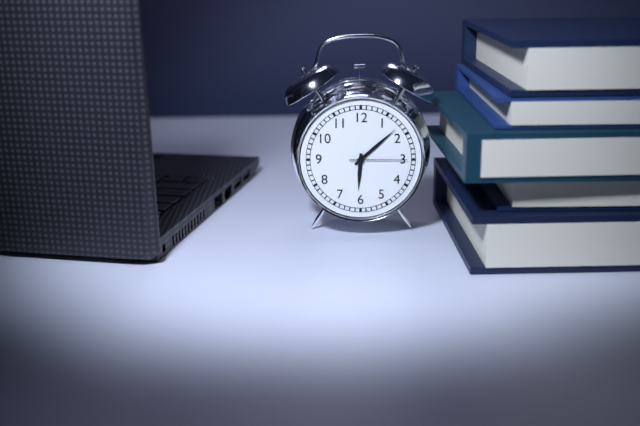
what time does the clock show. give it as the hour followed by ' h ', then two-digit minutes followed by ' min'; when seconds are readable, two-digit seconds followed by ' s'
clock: 6 h 08 min 15 s
